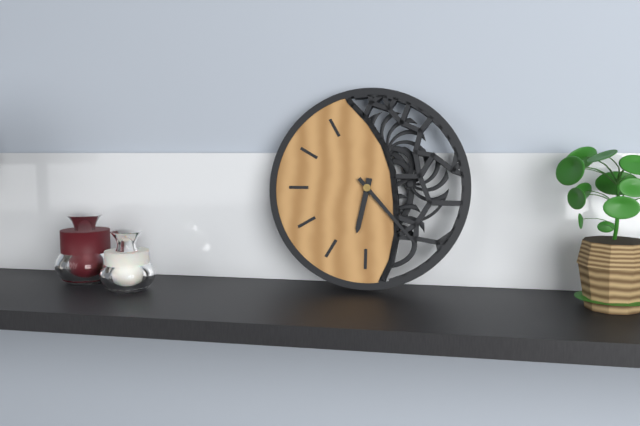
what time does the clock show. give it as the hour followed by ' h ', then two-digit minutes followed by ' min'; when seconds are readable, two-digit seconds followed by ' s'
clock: 6 h 23 min
